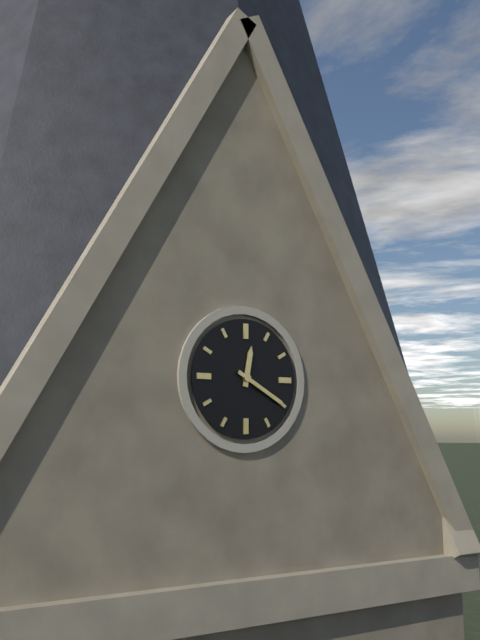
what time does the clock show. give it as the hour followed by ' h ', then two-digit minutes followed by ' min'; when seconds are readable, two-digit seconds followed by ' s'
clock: 12 h 20 min
